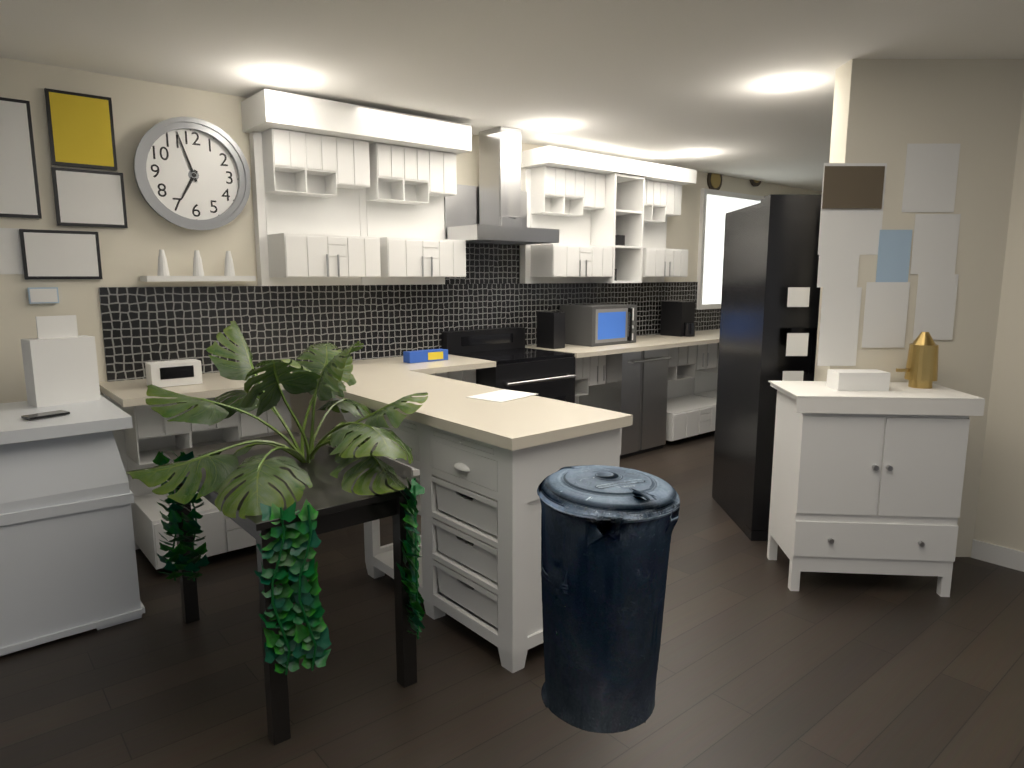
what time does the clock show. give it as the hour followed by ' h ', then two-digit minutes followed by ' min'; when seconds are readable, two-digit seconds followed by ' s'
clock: 6 h 57 min
